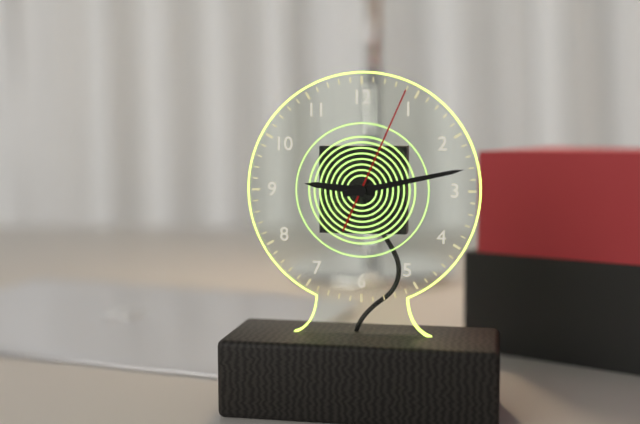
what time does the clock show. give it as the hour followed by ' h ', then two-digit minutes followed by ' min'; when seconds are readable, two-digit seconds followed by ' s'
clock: 9 h 13 min 04 s
